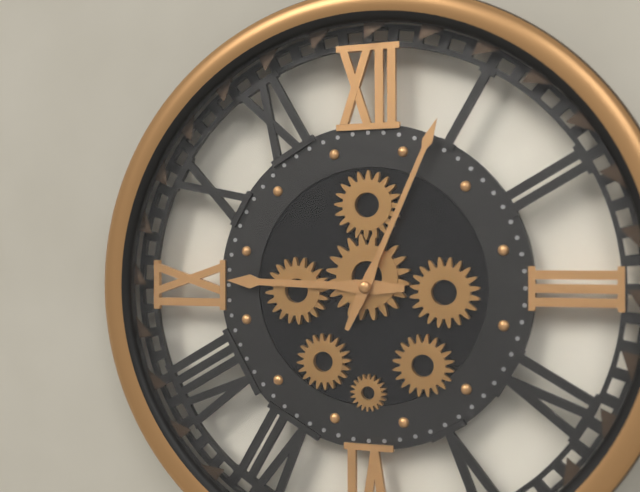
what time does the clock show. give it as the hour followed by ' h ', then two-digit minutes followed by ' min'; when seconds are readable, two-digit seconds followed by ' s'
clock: 9 h 04 min
